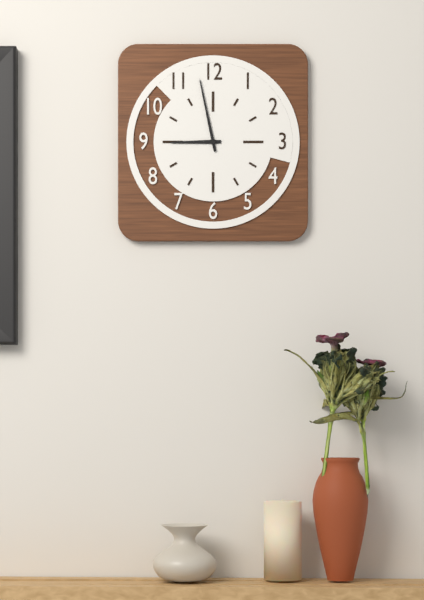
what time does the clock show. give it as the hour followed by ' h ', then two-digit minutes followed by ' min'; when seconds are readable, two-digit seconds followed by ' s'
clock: 8 h 58 min
